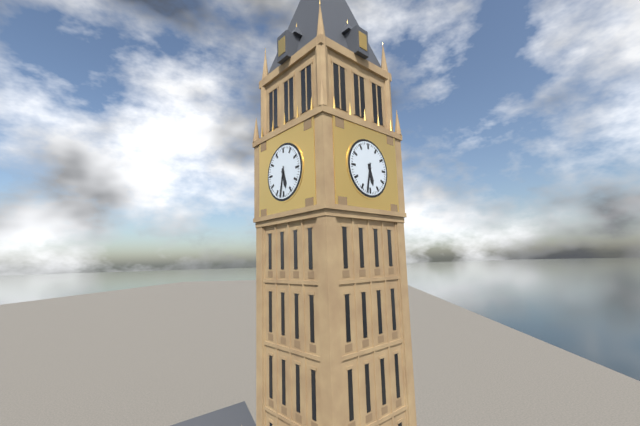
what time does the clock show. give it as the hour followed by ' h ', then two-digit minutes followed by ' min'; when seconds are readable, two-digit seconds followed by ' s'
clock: 5 h 32 min
